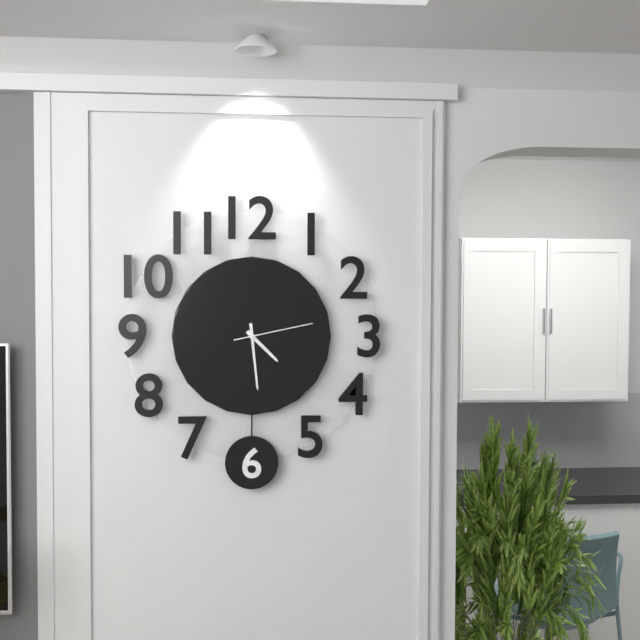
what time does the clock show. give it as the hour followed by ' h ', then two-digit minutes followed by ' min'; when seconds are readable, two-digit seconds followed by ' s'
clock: 4 h 29 min 13 s
